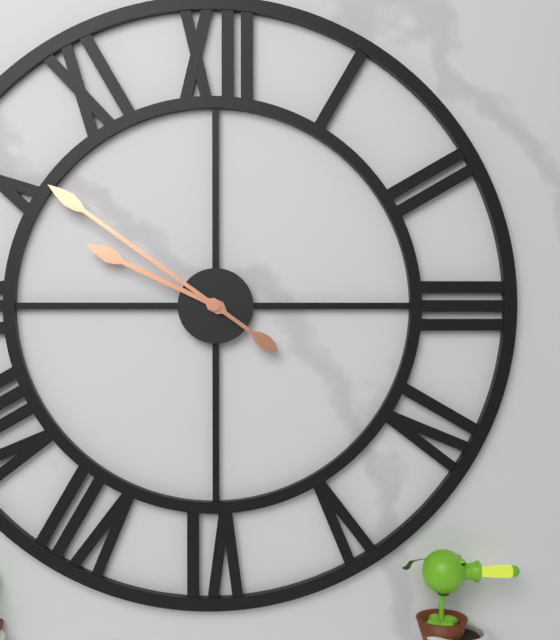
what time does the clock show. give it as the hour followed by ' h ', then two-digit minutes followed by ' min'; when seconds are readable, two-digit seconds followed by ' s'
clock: 9 h 51 min
